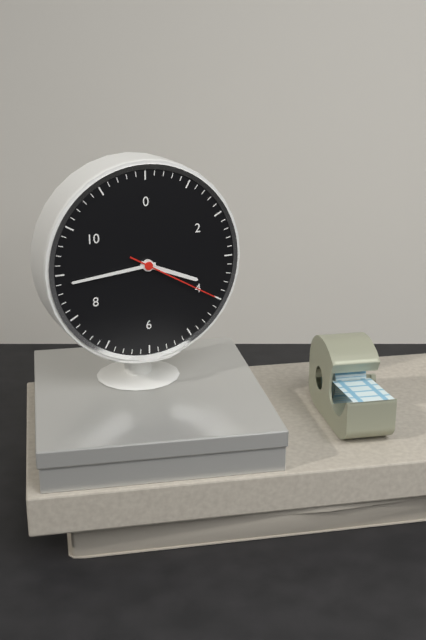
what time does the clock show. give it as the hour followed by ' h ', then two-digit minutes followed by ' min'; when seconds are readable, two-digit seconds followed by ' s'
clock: 3 h 44 min 20 s
